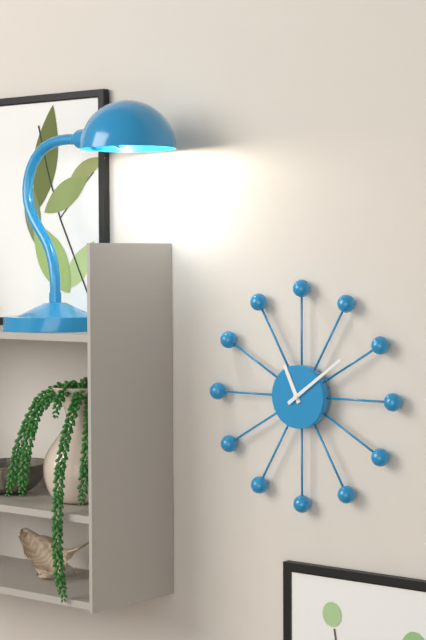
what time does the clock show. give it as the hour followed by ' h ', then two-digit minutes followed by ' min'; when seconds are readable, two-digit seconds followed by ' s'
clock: 11 h 09 min
